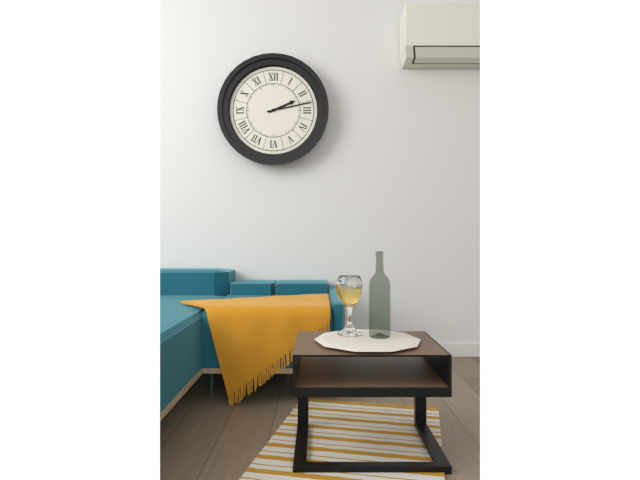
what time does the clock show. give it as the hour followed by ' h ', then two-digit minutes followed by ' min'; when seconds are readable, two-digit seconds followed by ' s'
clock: 2 h 13 min
